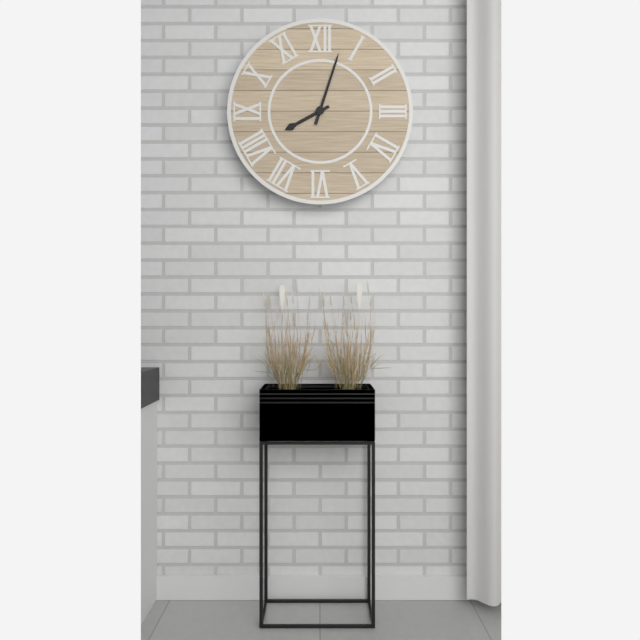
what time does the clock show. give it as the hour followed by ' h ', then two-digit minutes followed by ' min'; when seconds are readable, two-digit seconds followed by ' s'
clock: 8 h 03 min
